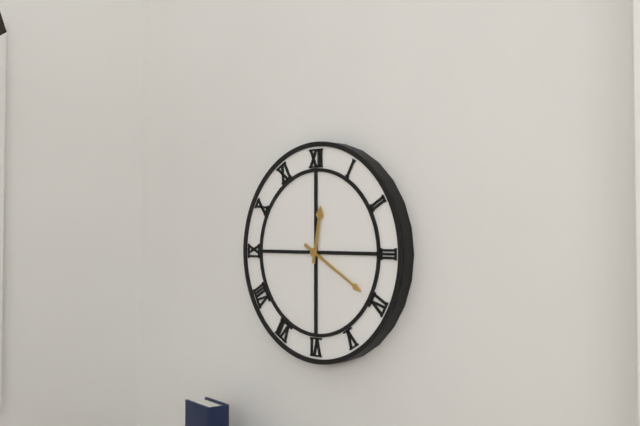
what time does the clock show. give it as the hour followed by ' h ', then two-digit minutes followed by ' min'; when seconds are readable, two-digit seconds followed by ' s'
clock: 12 h 20 min
